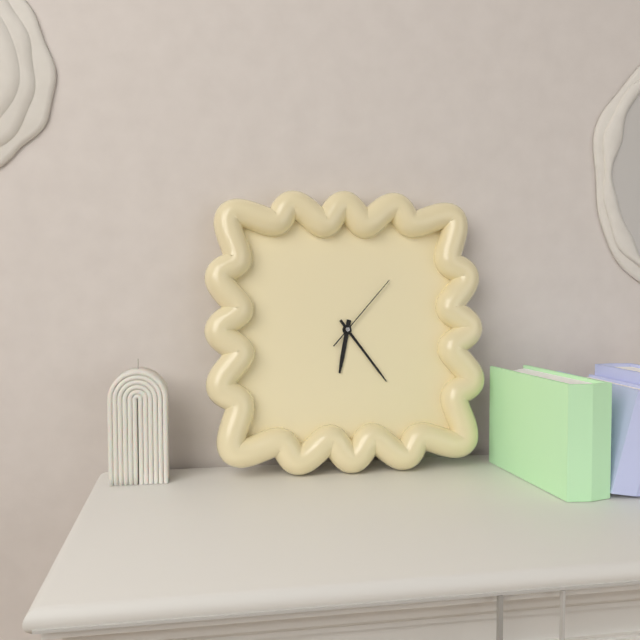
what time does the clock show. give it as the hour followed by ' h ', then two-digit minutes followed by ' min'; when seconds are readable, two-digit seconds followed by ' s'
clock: 6 h 24 min 07 s
